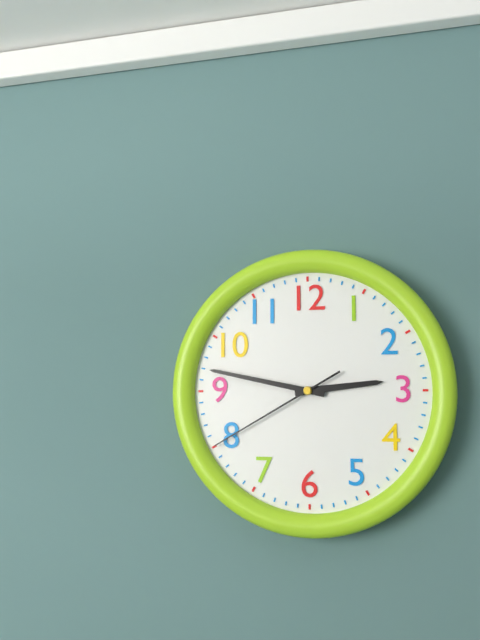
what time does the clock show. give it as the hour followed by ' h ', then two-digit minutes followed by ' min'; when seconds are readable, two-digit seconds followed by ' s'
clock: 2 h 47 min 40 s
